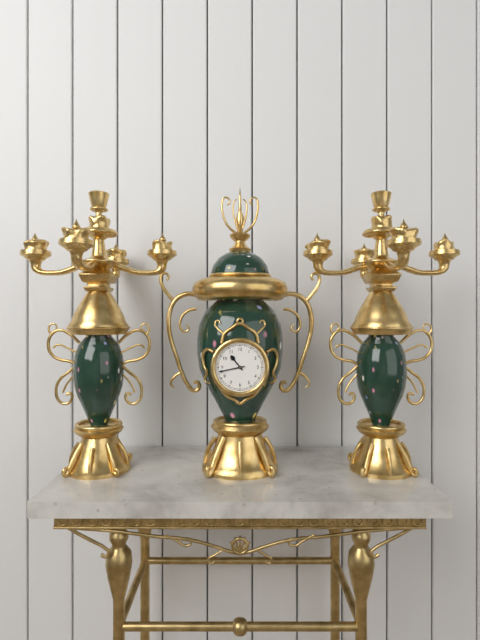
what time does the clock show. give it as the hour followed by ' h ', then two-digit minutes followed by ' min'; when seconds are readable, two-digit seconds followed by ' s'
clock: 10 h 43 min
